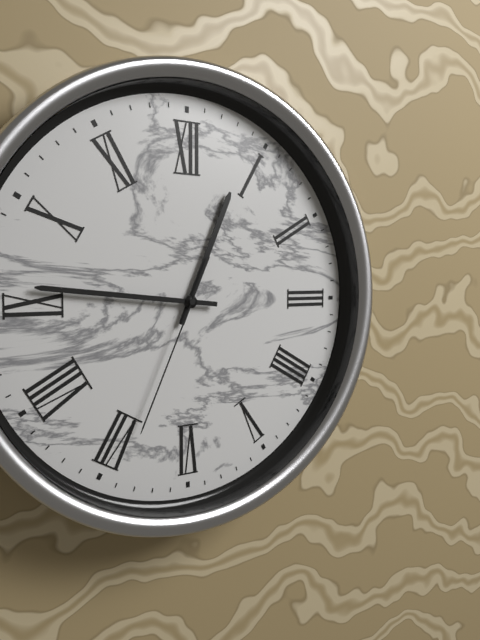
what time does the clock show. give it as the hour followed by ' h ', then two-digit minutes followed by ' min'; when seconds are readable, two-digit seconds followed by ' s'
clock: 12 h 46 min 34 s
